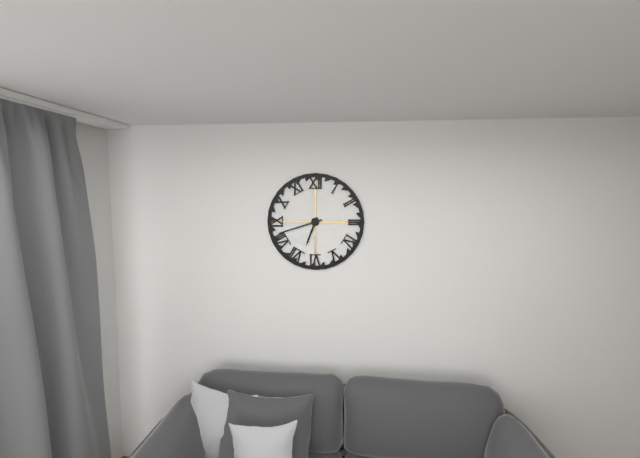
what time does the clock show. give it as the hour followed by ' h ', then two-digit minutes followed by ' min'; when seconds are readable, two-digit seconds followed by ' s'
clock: 6 h 42 min
